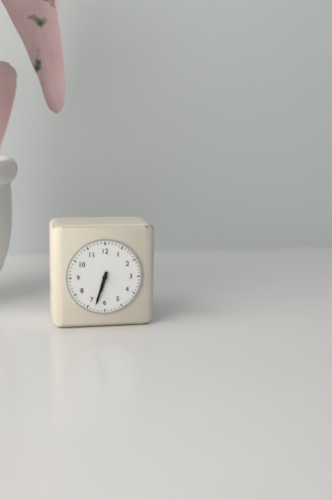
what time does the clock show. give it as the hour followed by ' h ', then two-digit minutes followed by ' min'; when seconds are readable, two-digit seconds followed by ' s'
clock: 6 h 33 min
